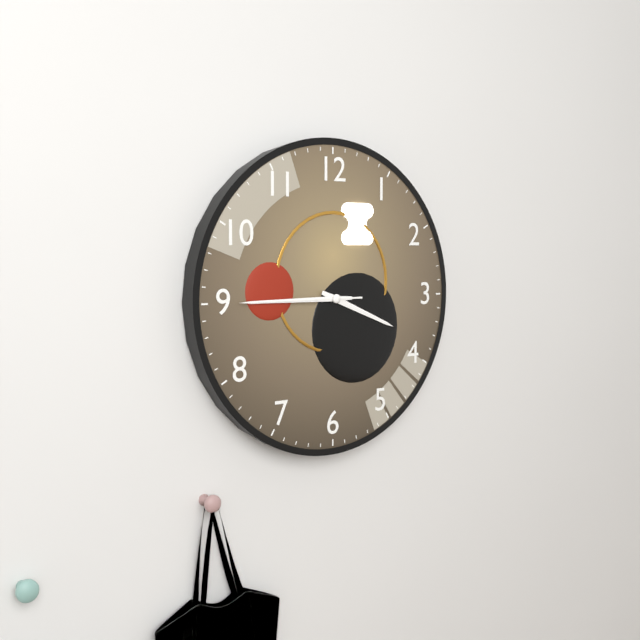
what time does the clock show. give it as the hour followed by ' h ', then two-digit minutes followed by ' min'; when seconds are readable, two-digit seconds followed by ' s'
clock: 3 h 45 min 45 s
